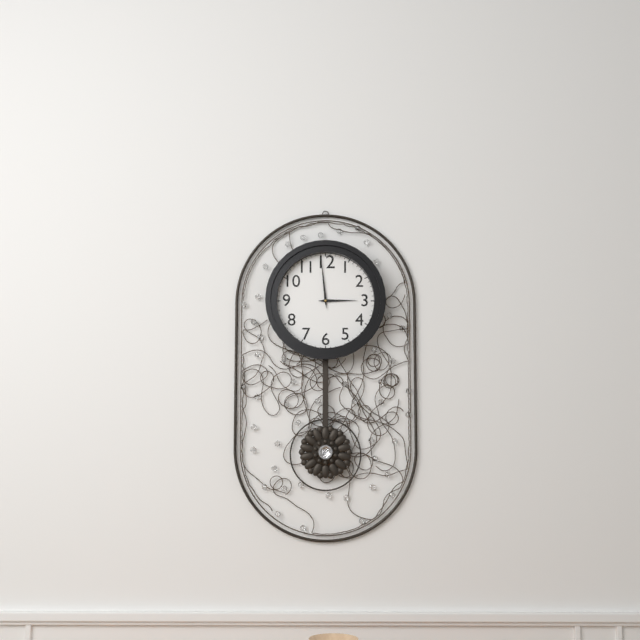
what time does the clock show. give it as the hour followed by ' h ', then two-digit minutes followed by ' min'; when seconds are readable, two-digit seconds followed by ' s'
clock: 2 h 59 min
